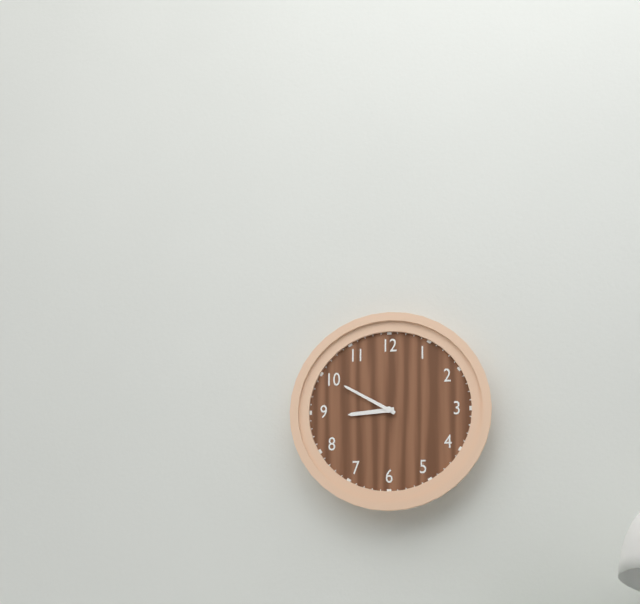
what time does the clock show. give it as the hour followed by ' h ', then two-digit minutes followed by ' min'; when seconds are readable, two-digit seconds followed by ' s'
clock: 8 h 50 min
